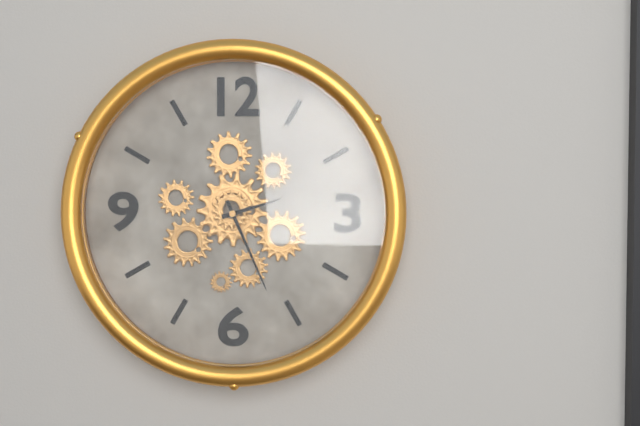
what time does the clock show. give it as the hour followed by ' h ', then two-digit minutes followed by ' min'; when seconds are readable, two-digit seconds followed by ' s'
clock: 2 h 26 min
